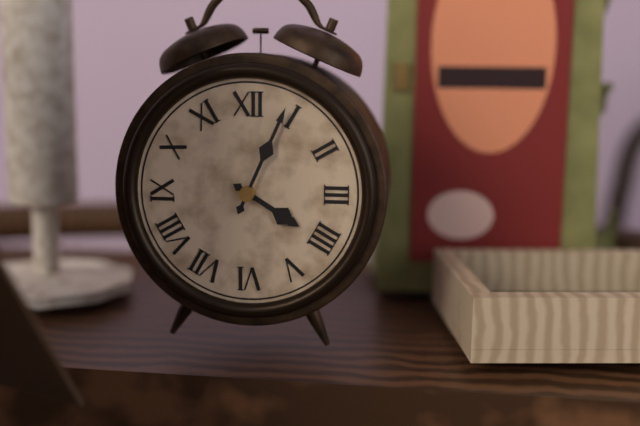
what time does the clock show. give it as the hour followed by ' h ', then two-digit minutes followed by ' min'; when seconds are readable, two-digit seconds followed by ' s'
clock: 4 h 04 min
